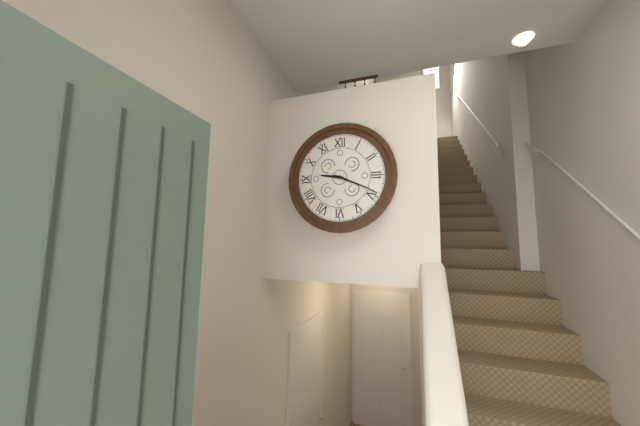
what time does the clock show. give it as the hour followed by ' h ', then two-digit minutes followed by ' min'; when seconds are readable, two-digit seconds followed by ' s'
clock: 9 h 19 min
